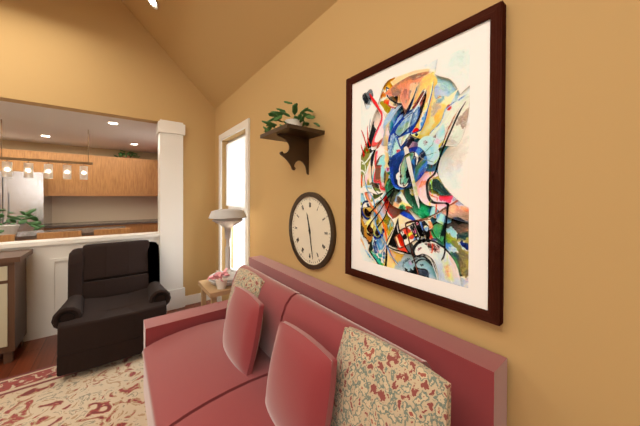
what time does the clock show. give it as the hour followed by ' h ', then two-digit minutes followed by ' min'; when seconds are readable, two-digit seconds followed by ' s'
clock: 11 h 28 min
